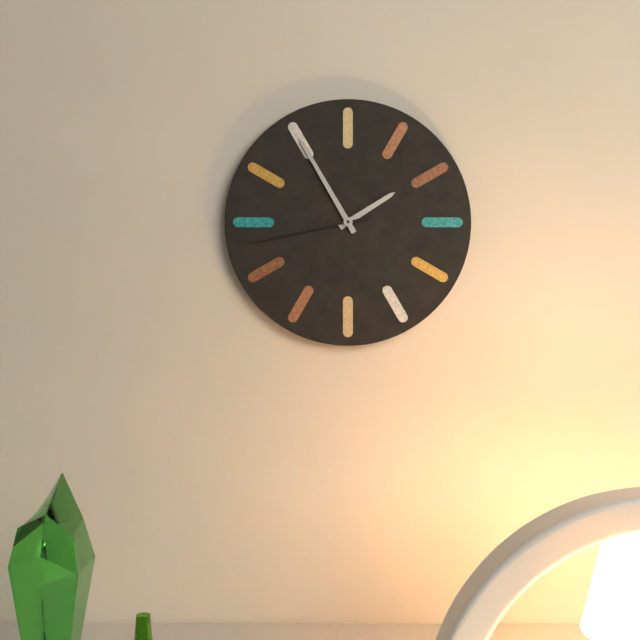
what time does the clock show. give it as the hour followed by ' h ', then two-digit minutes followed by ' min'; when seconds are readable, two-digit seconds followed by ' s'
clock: 1 h 55 min 43 s
